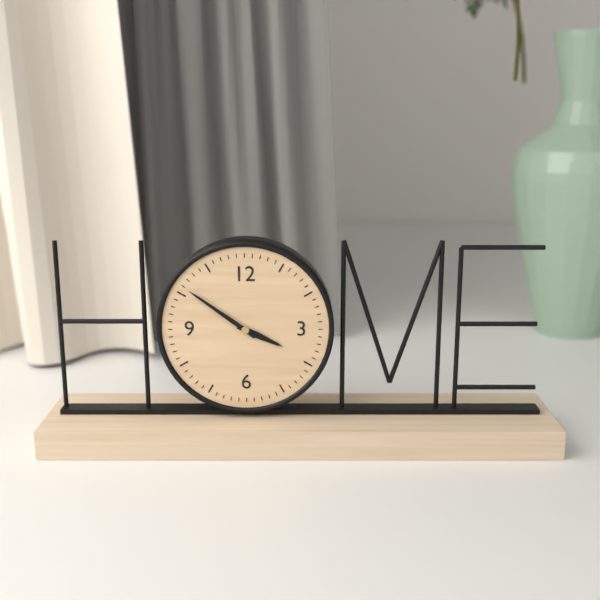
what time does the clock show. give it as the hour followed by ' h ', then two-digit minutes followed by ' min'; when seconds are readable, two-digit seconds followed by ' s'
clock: 3 h 51 min
